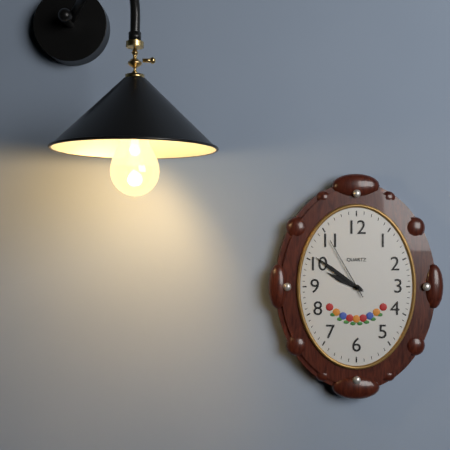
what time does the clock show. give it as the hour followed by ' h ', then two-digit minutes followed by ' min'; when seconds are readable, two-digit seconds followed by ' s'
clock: 9 h 51 min 55 s
